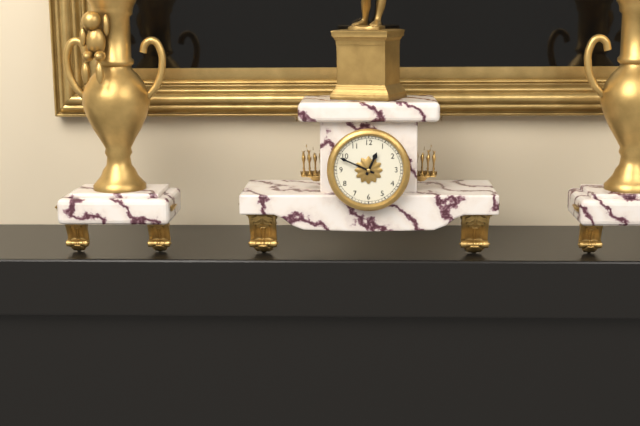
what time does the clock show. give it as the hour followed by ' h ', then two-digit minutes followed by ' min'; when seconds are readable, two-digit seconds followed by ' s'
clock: 12 h 49 min
